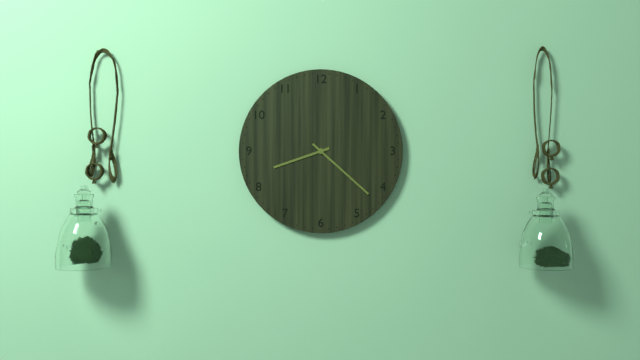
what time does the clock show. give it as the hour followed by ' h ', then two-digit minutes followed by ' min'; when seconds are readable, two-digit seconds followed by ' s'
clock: 8 h 22 min
